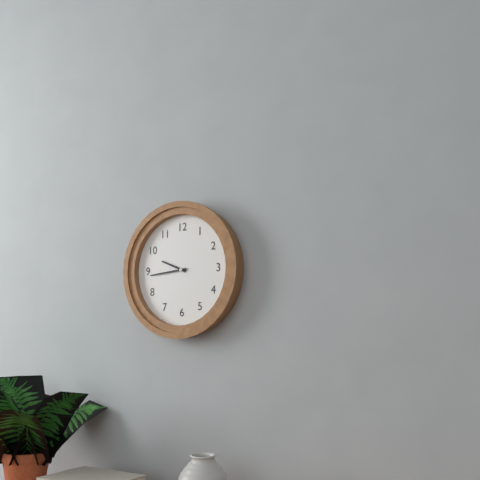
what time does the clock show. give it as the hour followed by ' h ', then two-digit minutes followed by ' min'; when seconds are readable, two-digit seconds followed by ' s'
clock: 9 h 44 min
